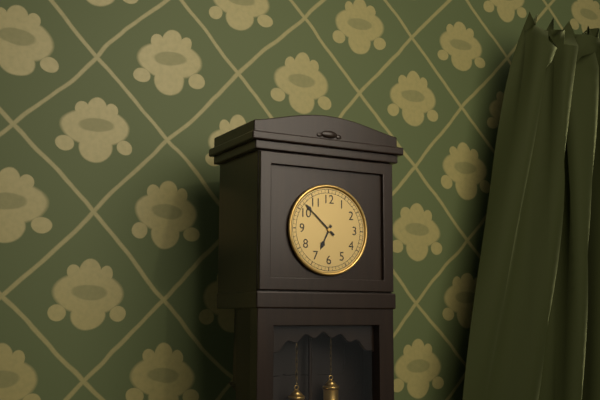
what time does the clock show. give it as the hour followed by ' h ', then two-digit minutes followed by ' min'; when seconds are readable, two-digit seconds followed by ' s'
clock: 6 h 52 min
